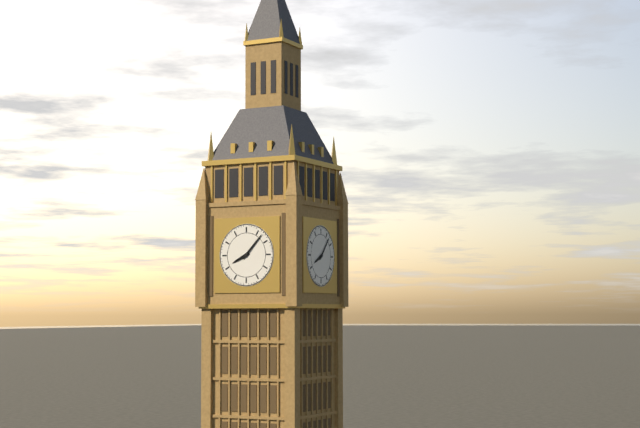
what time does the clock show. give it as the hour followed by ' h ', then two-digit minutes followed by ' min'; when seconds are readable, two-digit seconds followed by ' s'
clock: 8 h 07 min
